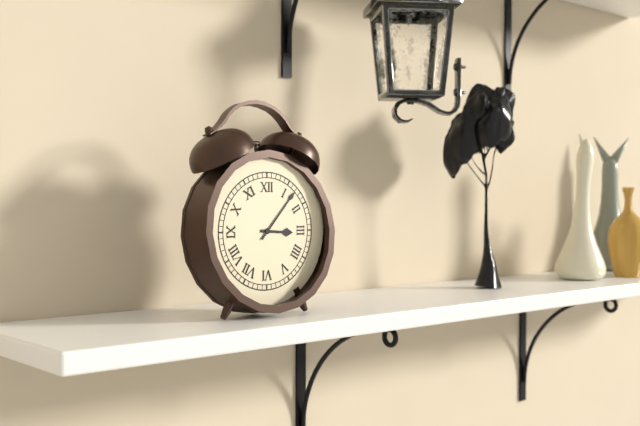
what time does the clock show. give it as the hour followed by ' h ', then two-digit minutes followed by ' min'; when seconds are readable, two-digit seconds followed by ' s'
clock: 3 h 07 min
